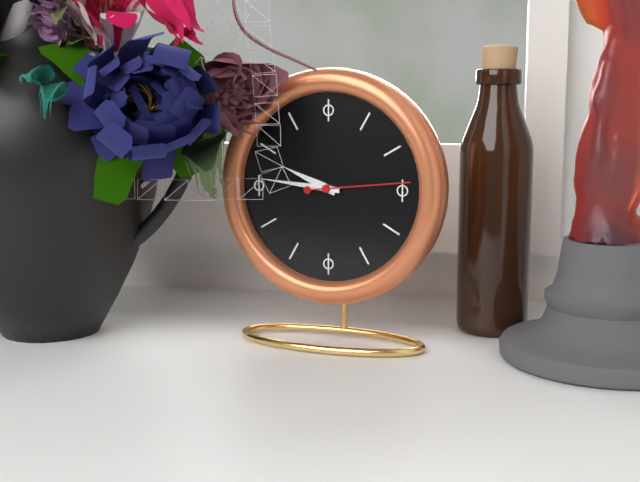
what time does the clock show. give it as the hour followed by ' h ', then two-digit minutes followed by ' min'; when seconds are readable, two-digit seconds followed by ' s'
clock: 9 h 46 min 14 s
